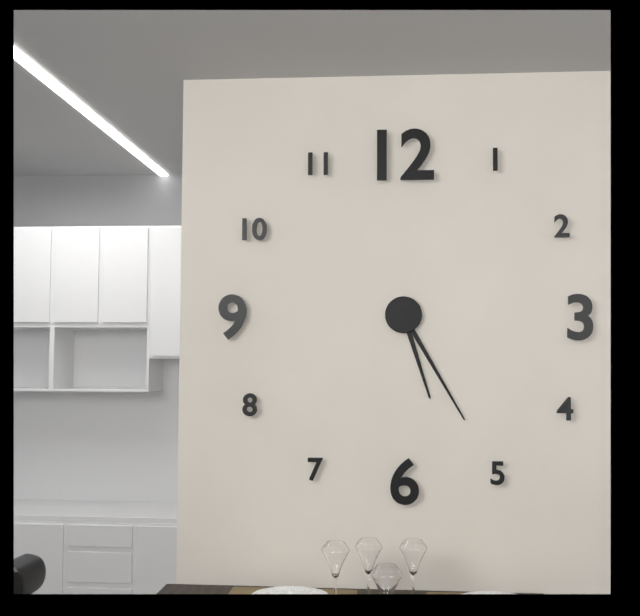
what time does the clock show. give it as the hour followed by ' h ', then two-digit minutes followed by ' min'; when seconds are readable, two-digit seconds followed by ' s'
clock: 5 h 25 min
